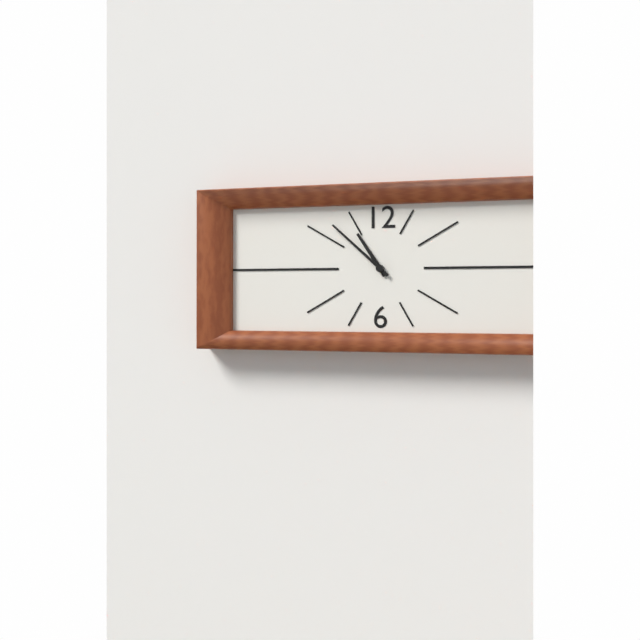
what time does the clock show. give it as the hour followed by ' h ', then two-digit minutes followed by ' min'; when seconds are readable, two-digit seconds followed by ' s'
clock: 10 h 52 min
